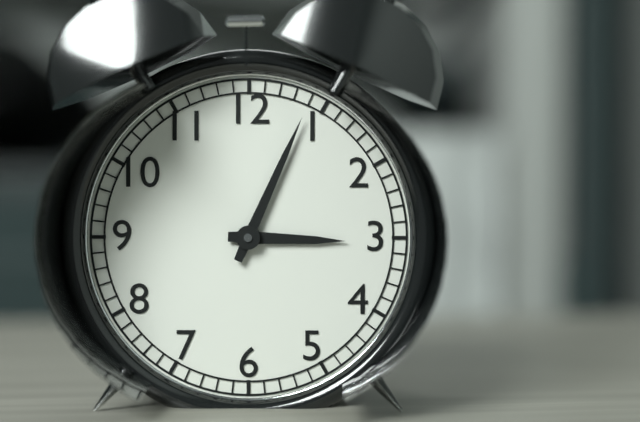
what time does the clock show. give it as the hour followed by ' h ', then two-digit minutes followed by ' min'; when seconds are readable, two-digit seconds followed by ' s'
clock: 3 h 04 min
